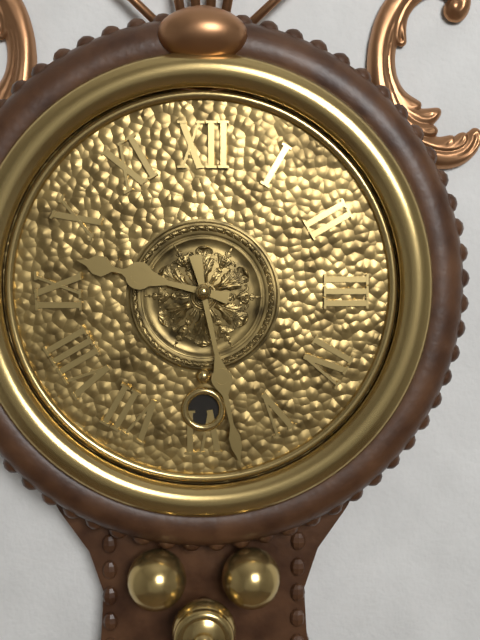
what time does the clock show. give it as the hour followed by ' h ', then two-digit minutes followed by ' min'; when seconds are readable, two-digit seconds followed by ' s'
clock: 9 h 28 min
